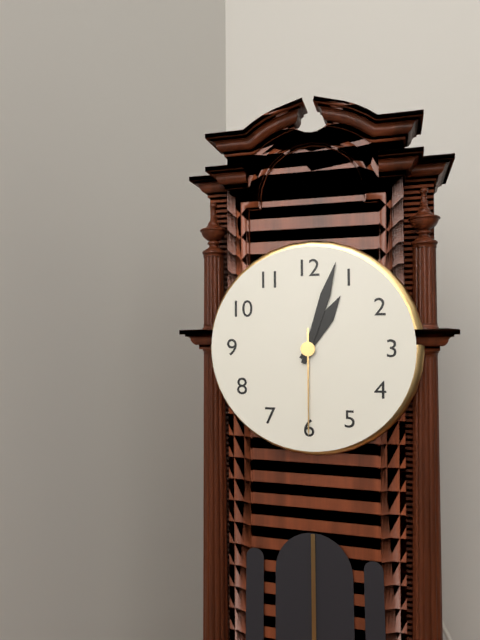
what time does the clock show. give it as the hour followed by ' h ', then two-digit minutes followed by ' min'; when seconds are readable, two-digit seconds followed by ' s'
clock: 1 h 03 min 30 s
